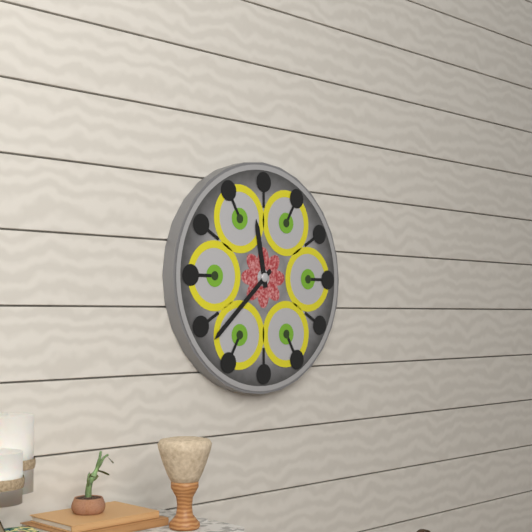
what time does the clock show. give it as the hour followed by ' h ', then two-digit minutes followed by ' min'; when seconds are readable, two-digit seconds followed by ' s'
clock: 11 h 38 min
